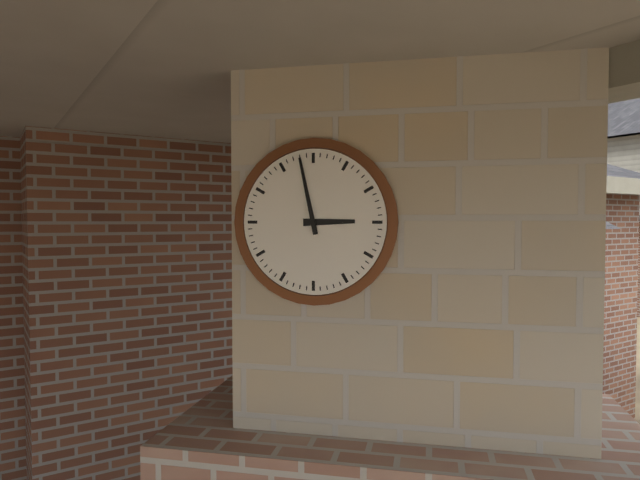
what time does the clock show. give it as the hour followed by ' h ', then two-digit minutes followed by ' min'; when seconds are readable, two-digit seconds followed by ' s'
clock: 2 h 58 min
